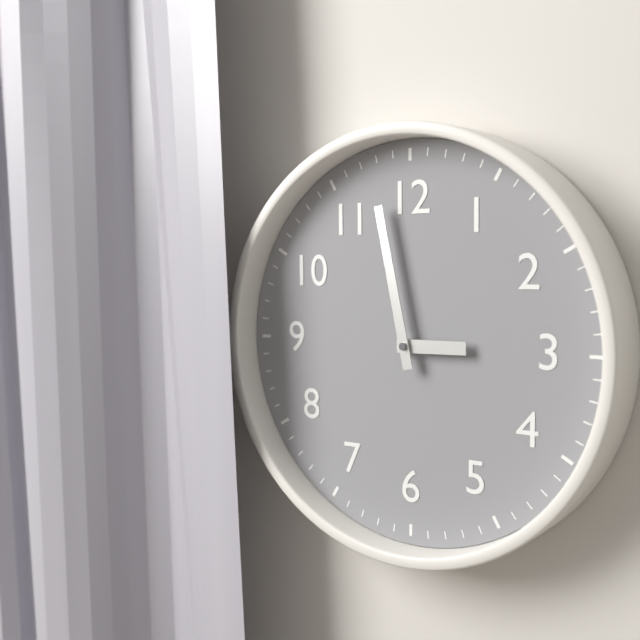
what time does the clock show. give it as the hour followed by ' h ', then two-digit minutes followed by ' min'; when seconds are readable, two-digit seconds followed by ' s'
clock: 2 h 58 min
